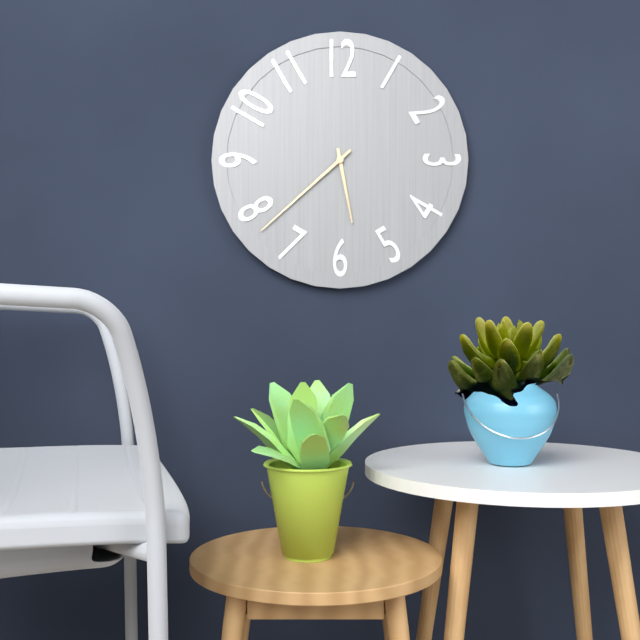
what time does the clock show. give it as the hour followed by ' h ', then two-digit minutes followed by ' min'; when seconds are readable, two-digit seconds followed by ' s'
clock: 5 h 38 min
